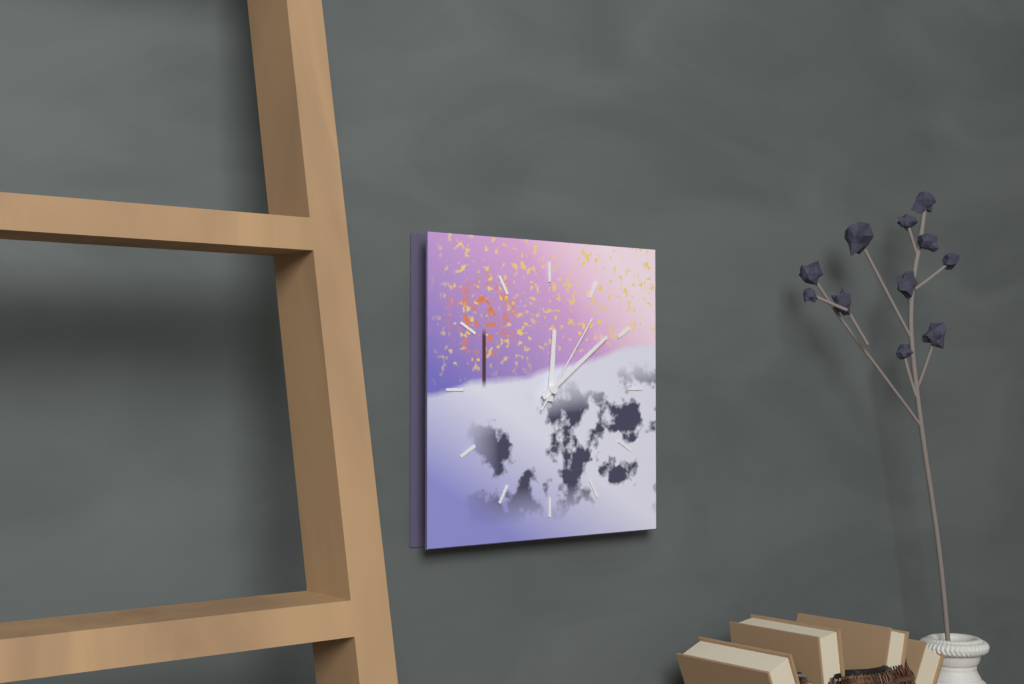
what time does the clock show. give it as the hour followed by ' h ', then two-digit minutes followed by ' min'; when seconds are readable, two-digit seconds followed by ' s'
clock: 12 h 09 min 06 s
